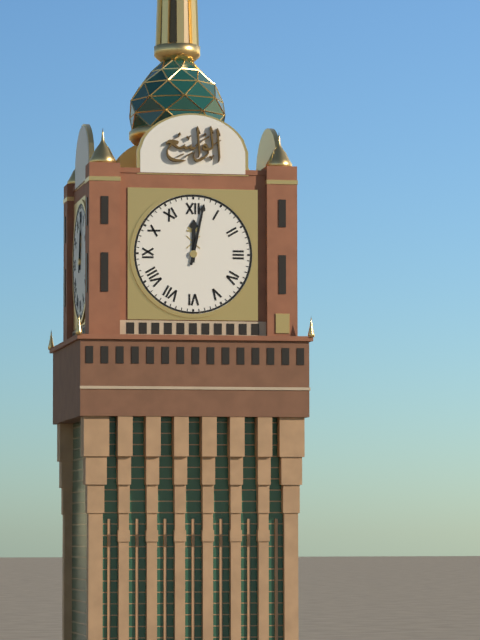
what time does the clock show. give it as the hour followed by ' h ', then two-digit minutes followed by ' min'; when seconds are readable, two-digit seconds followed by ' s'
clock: 12 h 02 min
